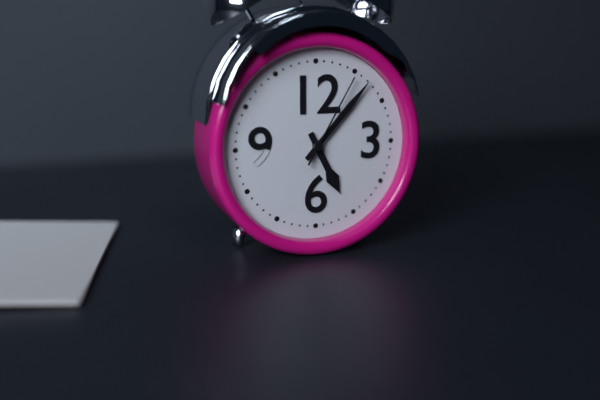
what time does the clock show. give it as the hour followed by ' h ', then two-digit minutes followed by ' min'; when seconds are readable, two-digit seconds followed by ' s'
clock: 5 h 07 min 05 s
